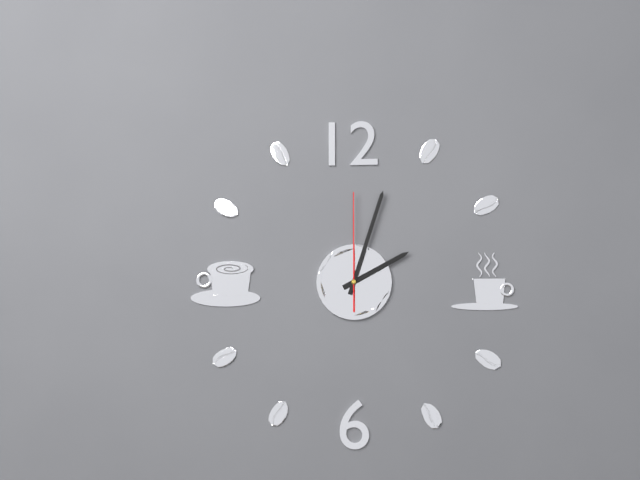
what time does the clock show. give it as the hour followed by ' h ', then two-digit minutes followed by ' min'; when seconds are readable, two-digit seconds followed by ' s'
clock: 2 h 03 min 00 s
